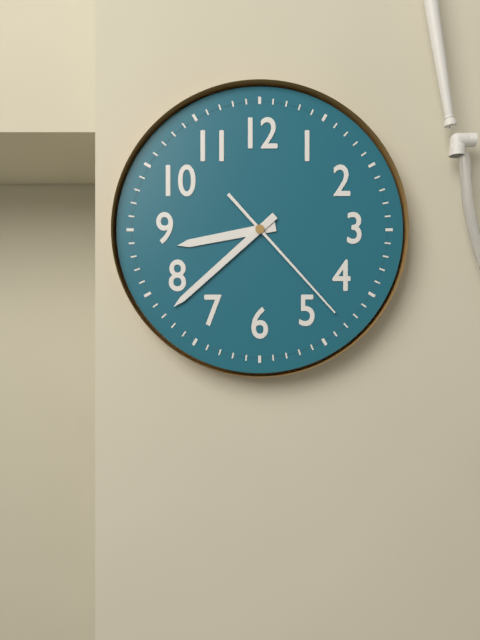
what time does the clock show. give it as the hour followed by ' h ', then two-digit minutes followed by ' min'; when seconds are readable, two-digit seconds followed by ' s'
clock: 8 h 38 min 23 s
